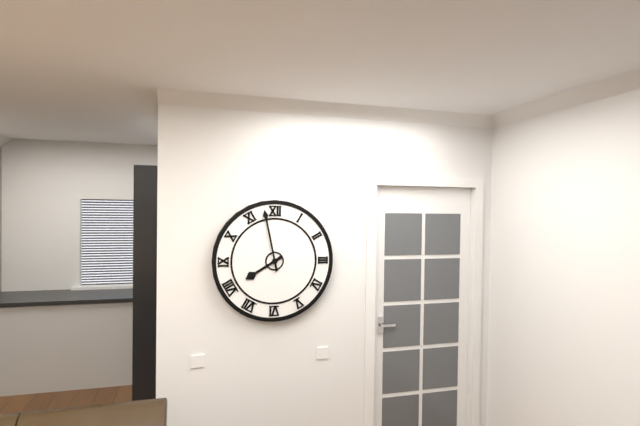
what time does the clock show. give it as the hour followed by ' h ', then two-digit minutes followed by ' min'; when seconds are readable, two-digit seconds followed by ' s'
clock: 7 h 58 min
